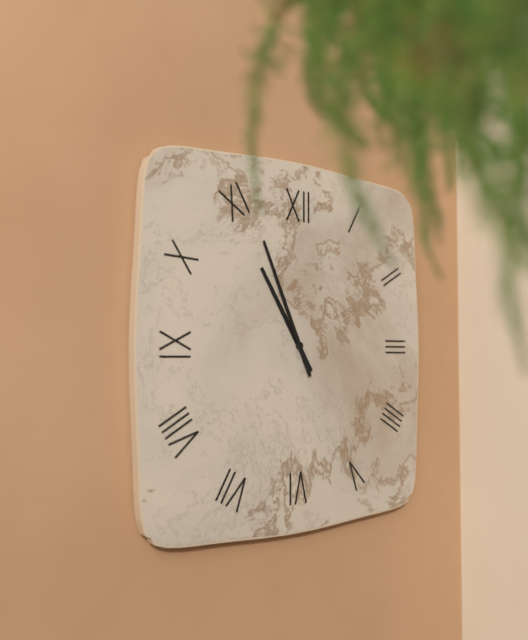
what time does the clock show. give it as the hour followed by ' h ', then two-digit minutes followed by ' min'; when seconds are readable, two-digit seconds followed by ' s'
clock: 10 h 56 min
